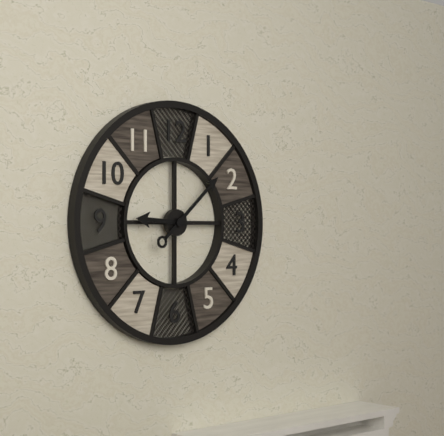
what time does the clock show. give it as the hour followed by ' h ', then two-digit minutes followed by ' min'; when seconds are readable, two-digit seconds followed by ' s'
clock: 9 h 08 min
